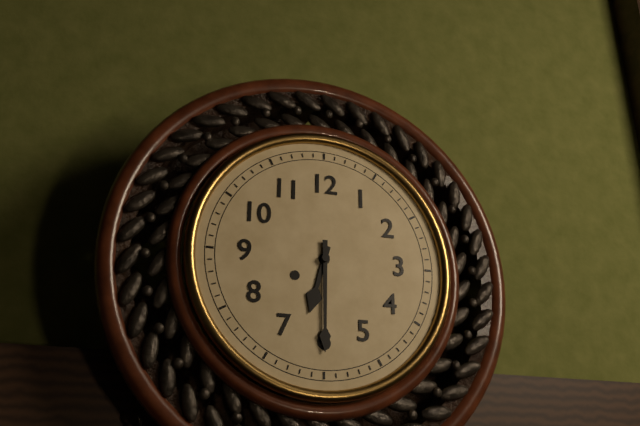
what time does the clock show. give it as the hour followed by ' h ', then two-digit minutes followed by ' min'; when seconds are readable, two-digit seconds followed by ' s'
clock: 6 h 30 min
